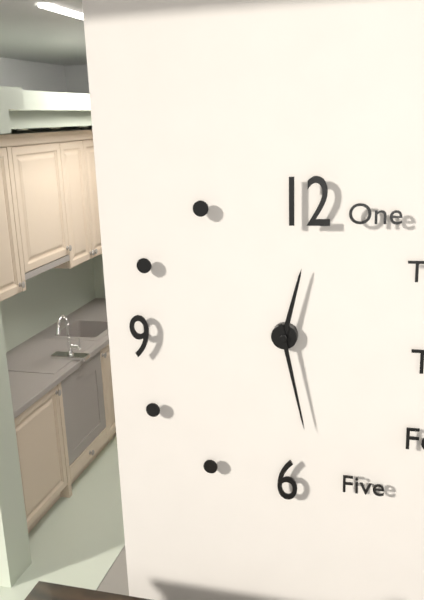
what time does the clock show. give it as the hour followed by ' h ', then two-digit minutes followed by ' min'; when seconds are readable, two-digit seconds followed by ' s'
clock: 12 h 28 min
